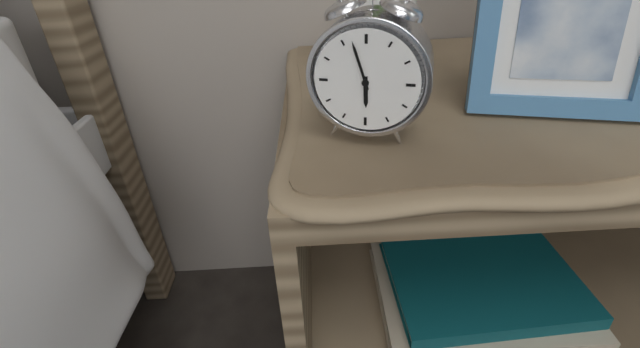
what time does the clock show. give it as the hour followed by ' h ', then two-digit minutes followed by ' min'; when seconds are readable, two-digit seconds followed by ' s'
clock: 5 h 57 min
